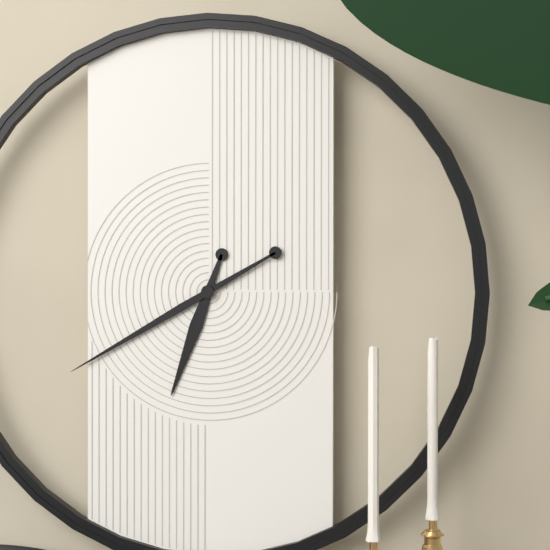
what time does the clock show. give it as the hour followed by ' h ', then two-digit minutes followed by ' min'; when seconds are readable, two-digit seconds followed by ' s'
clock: 6 h 40 min
